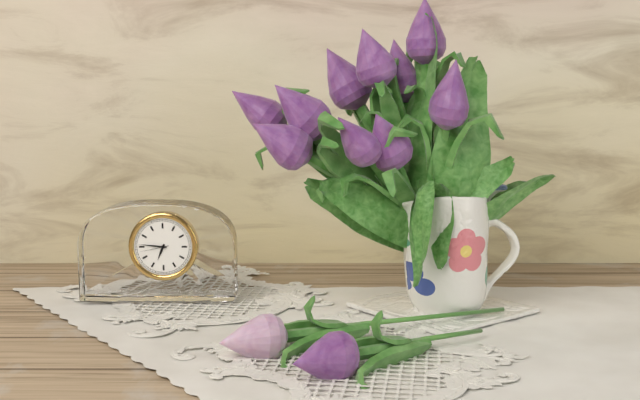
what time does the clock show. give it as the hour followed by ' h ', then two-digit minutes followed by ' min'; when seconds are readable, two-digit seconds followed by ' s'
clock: 6 h 46 min
